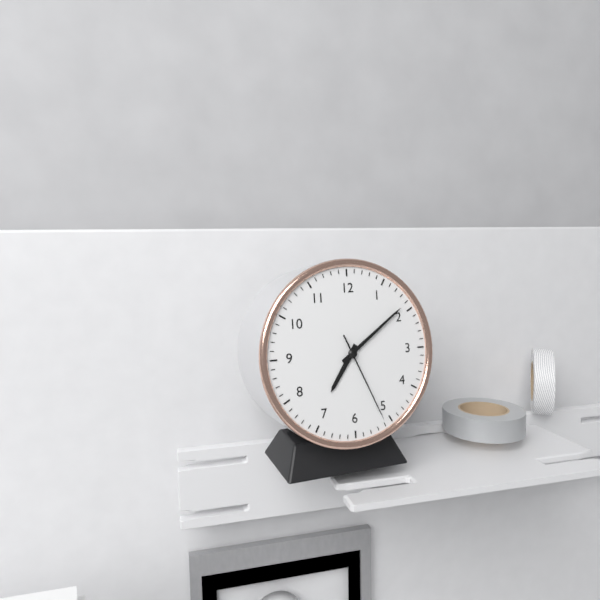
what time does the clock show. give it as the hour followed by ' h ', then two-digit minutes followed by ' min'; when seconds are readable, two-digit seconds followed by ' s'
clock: 7 h 09 min 26 s
